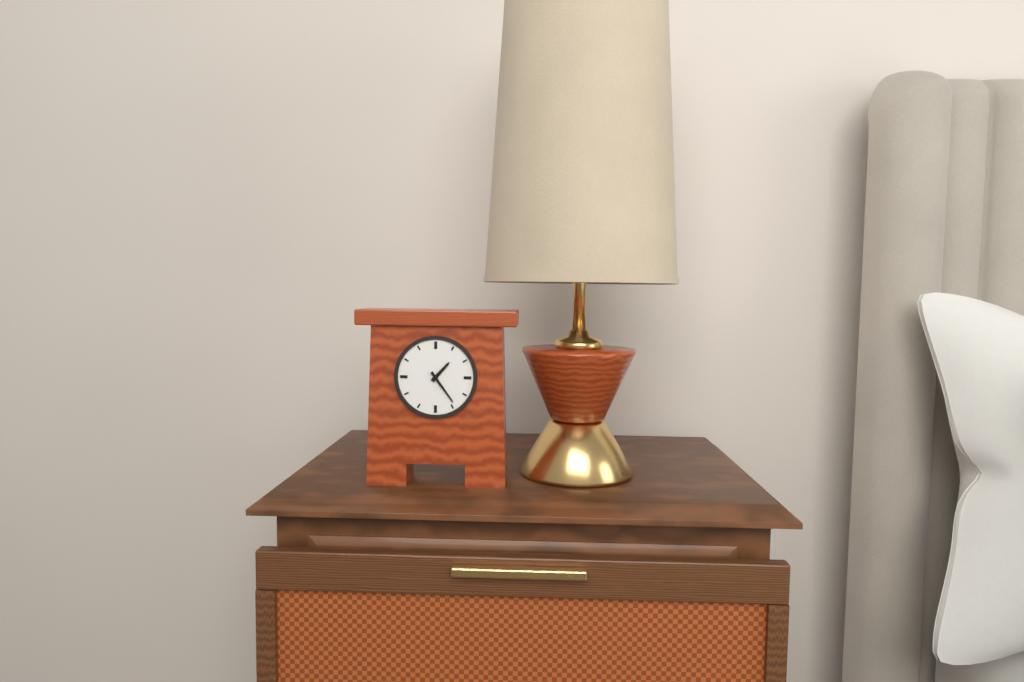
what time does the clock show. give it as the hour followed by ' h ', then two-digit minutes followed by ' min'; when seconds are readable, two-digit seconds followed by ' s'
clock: 1 h 24 min
